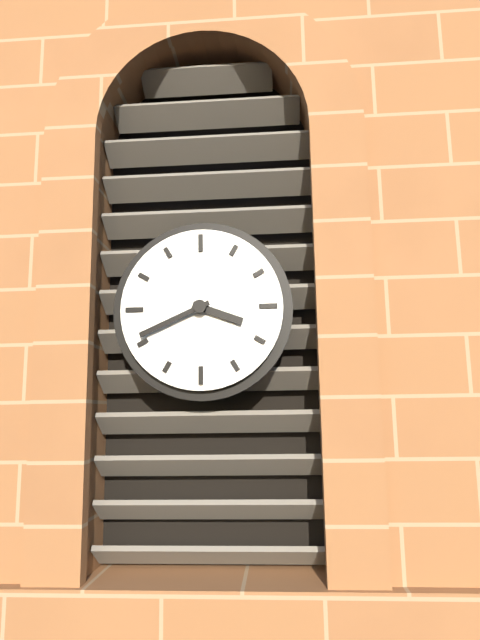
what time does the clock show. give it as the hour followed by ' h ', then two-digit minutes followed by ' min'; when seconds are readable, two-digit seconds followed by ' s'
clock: 3 h 41 min
